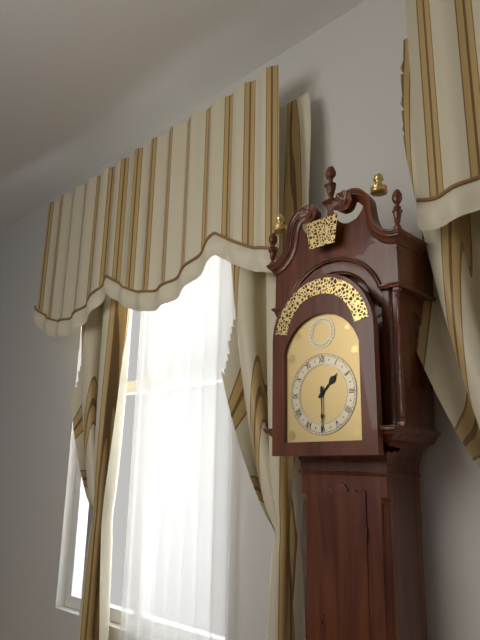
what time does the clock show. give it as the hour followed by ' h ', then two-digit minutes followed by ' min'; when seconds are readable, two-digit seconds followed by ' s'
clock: 1 h 30 min
